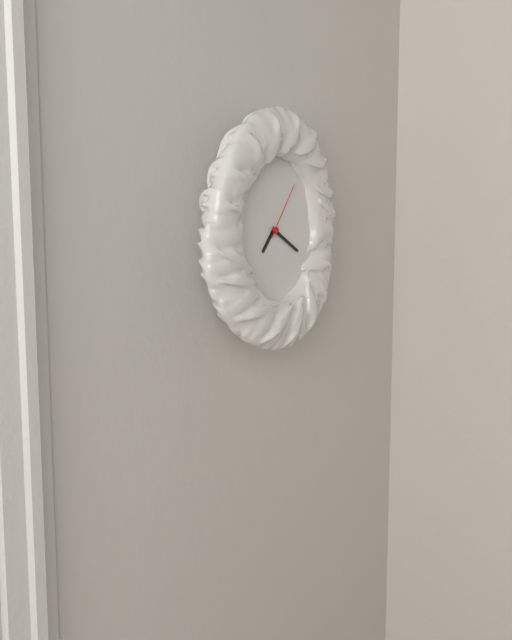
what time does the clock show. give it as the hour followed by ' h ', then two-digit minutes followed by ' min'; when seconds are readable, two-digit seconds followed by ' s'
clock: 7 h 20 min 06 s
